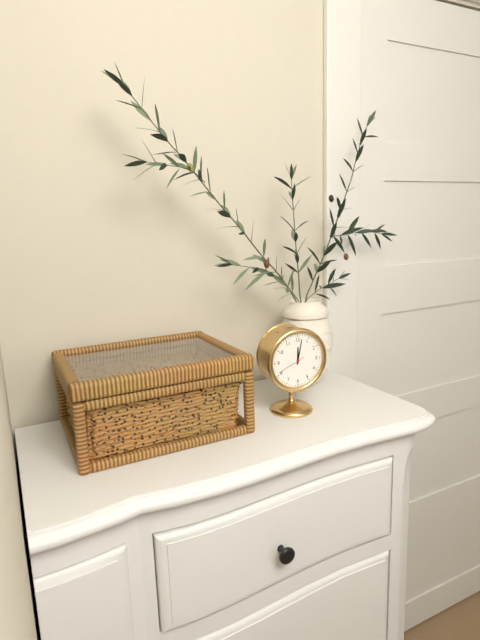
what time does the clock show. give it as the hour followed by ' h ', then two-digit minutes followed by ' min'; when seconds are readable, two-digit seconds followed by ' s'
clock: 12 h 02 min
